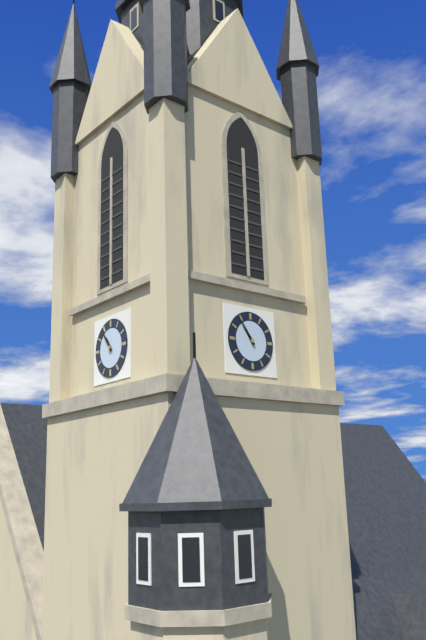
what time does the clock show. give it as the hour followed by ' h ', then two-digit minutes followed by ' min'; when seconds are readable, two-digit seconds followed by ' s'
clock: 10 h 54 min
